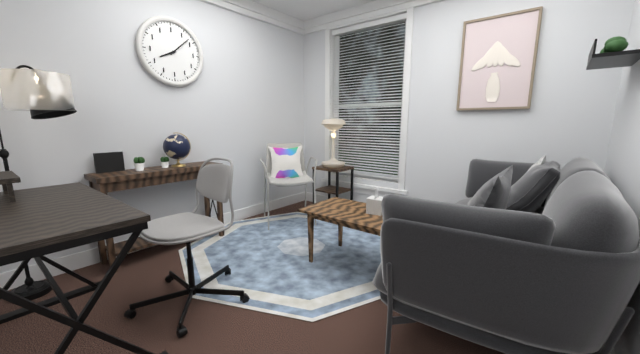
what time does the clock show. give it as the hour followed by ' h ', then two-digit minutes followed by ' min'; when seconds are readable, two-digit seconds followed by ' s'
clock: 8 h 08 min
